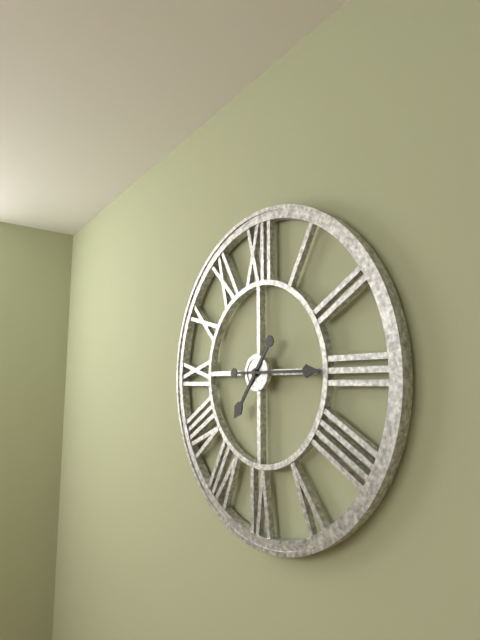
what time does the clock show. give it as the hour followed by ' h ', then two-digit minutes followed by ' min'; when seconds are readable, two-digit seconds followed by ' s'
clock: 7 h 15 min
